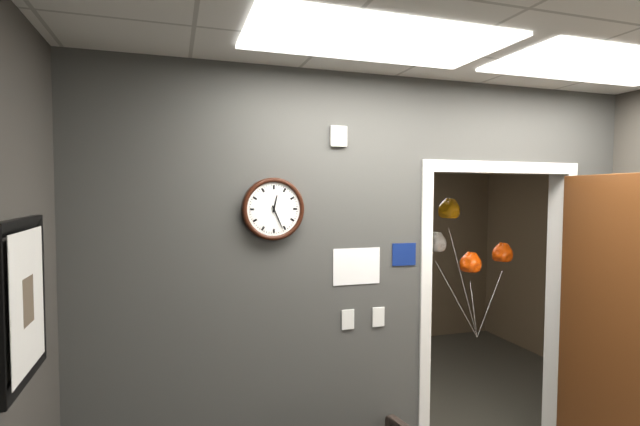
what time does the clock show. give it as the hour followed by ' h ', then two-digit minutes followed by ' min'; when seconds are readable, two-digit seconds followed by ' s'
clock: 12 h 26 min
